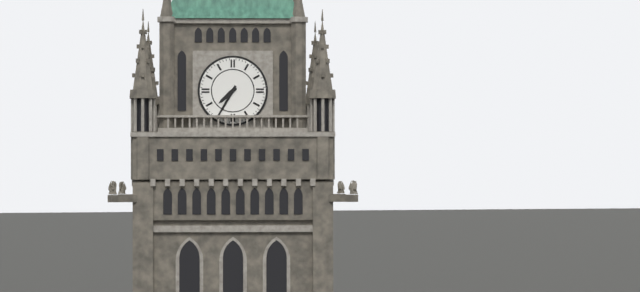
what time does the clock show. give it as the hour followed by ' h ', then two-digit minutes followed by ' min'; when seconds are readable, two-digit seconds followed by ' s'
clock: 7 h 35 min
